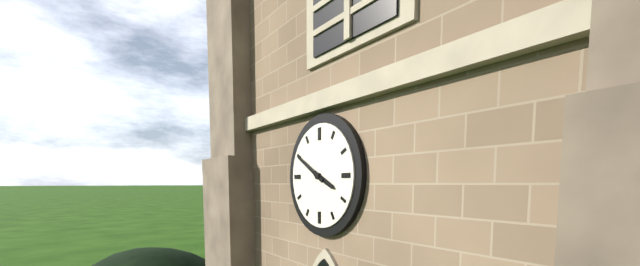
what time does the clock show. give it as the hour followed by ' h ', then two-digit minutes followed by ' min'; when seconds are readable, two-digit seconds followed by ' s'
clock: 3 h 50 min
